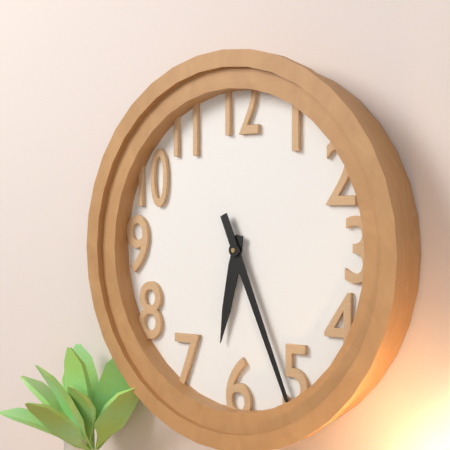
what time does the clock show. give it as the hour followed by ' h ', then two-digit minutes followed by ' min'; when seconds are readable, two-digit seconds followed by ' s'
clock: 6 h 26 min
